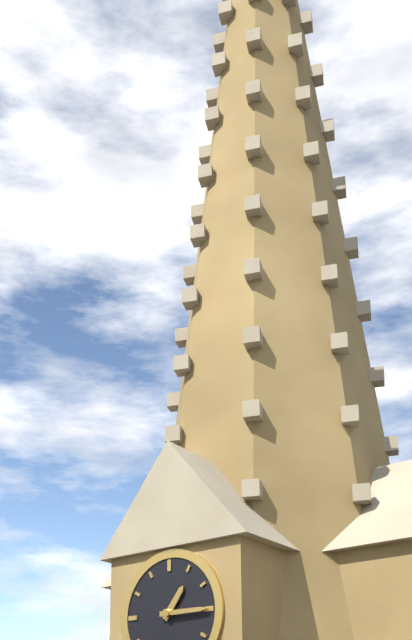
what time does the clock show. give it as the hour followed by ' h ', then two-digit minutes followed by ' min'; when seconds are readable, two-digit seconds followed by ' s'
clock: 1 h 15 min
